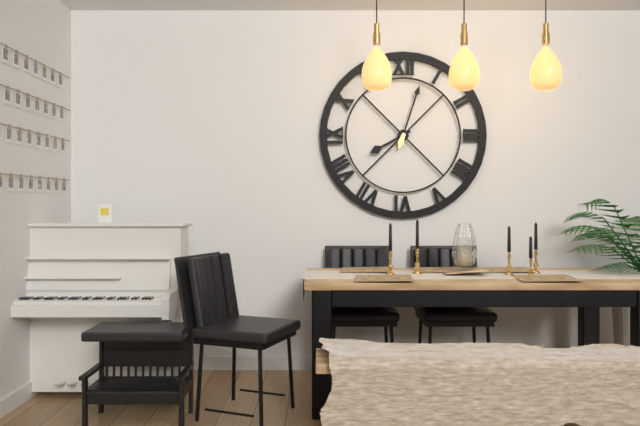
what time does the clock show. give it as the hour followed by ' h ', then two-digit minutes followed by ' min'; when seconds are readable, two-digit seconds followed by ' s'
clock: 8 h 03 min
